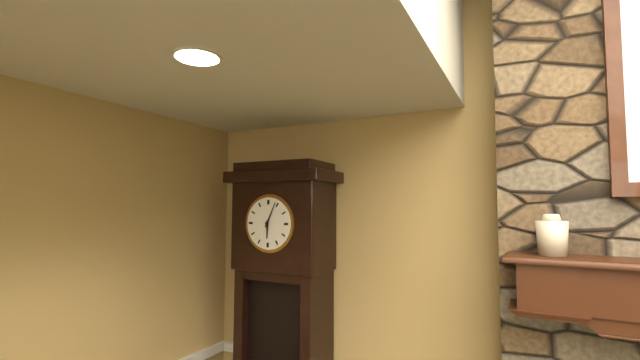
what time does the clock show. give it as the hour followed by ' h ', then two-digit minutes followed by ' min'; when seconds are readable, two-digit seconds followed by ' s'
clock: 6 h 04 min
